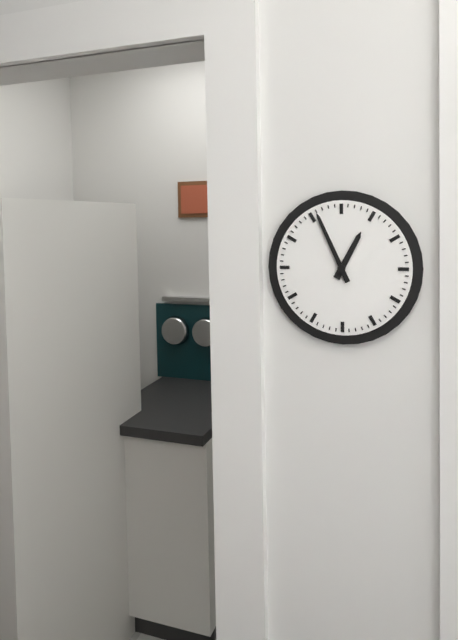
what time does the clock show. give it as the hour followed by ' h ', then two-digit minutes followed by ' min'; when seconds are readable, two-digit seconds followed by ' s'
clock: 12 h 56 min
